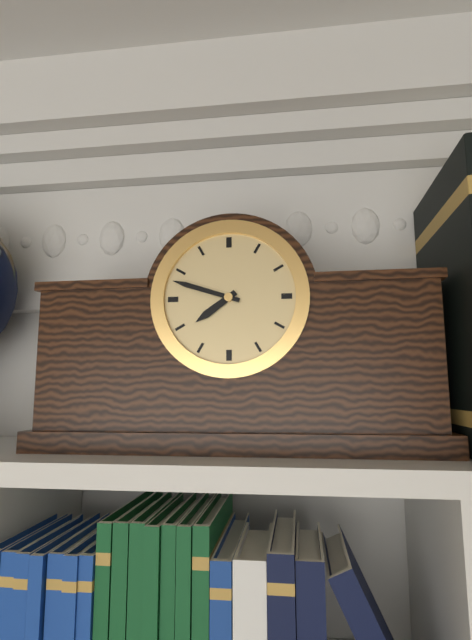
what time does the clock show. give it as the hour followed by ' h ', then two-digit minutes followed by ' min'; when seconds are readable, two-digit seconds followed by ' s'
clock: 7 h 48 min
